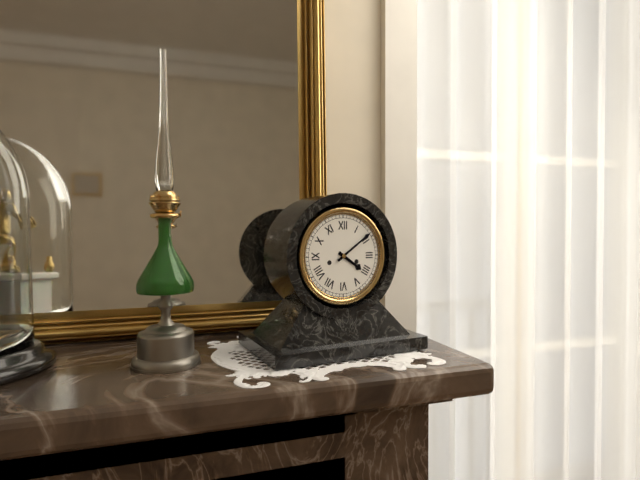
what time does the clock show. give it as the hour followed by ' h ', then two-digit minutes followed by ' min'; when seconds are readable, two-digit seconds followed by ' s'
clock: 4 h 09 min
